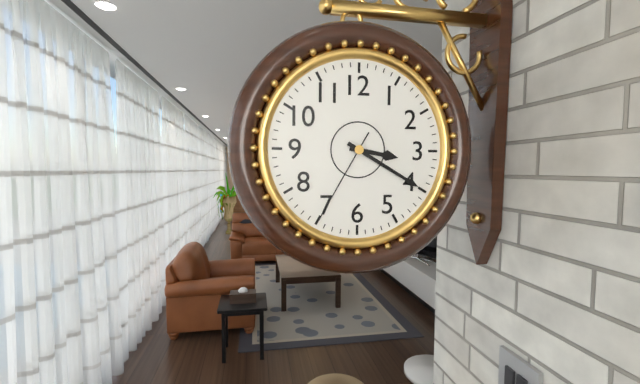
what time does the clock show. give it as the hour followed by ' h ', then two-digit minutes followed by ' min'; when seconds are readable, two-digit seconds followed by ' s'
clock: 3 h 20 min 35 s
